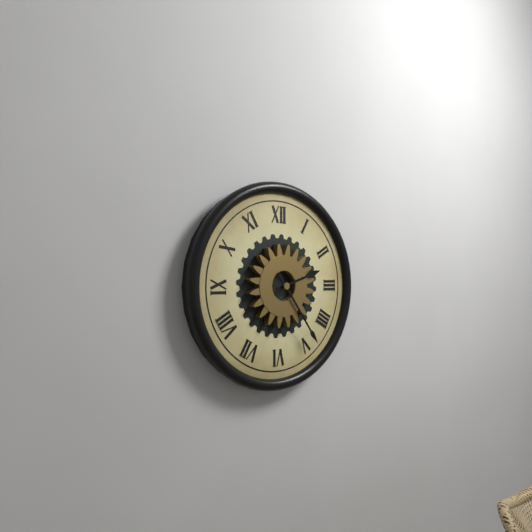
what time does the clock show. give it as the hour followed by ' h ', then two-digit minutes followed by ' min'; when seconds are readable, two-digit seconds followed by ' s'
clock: 2 h 24 min
